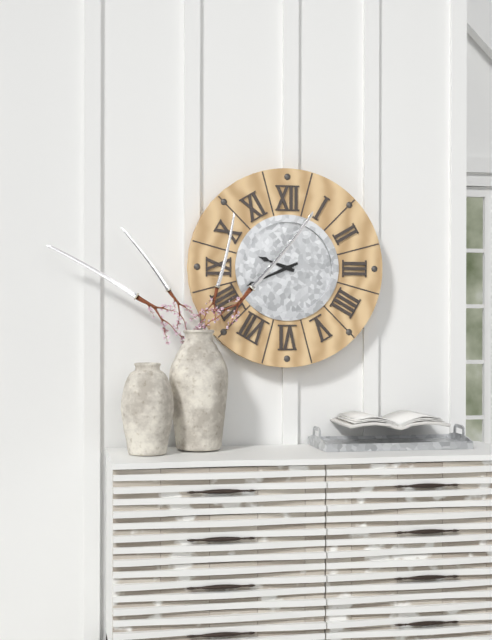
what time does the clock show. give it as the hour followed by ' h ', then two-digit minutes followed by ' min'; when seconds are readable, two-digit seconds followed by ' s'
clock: 9 h 41 min
